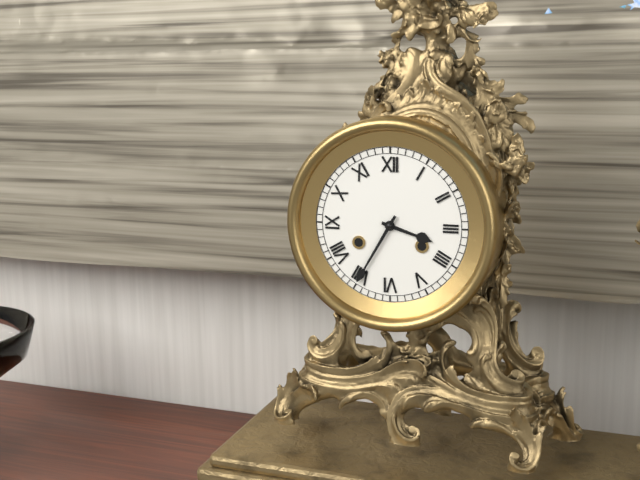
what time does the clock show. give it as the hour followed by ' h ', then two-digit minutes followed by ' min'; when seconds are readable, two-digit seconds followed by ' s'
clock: 3 h 35 min
